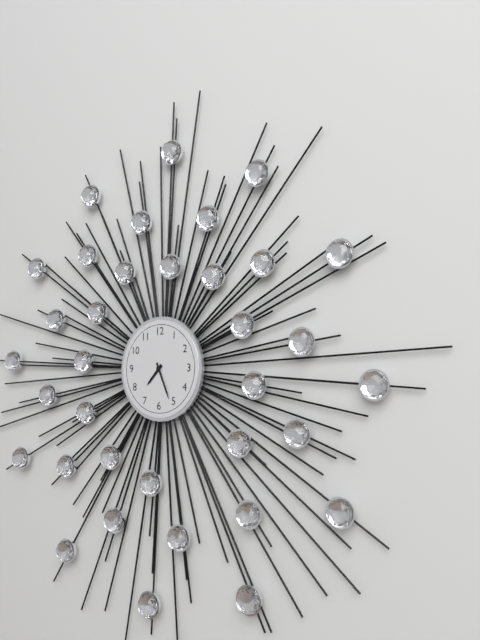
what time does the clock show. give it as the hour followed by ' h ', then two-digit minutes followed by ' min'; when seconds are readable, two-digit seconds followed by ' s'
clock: 7 h 26 min
